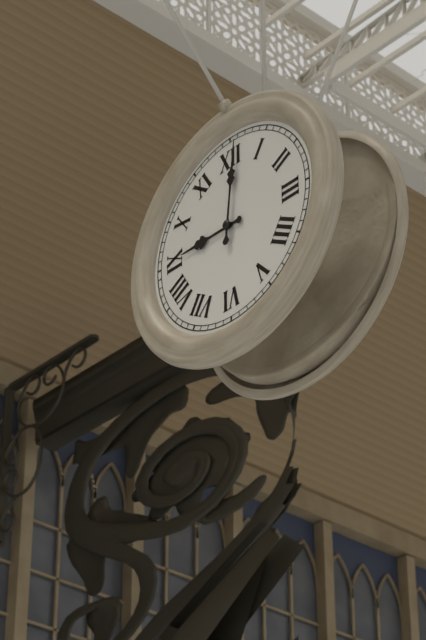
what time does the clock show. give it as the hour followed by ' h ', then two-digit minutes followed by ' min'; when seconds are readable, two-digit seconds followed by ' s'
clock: 9 h 01 min
